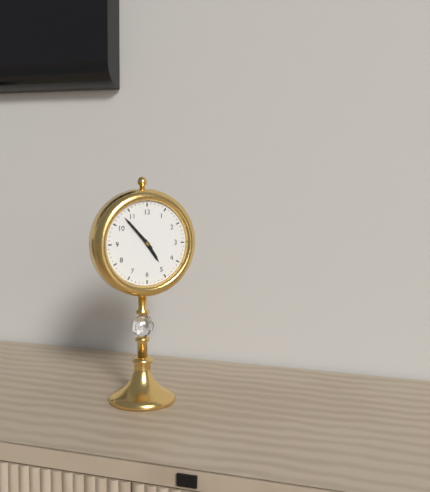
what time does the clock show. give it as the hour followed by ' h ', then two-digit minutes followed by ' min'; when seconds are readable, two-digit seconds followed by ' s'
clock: 4 h 53 min
